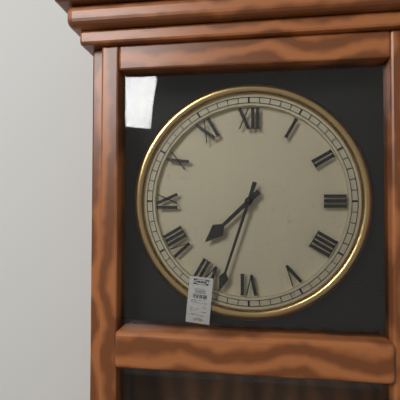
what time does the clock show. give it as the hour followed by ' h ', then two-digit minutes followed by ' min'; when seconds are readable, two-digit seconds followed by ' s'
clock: 7 h 33 min
